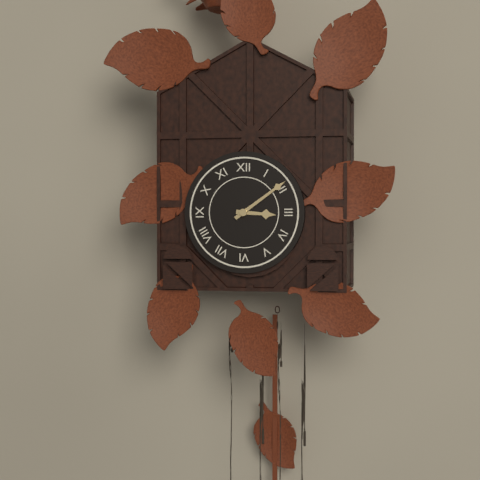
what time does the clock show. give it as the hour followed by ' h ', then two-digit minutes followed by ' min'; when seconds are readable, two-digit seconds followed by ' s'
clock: 3 h 09 min
